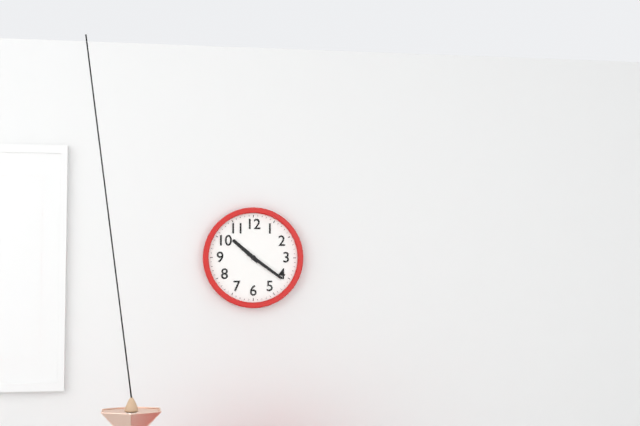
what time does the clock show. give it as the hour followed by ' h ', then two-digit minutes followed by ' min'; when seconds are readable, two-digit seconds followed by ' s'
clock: 10 h 21 min
